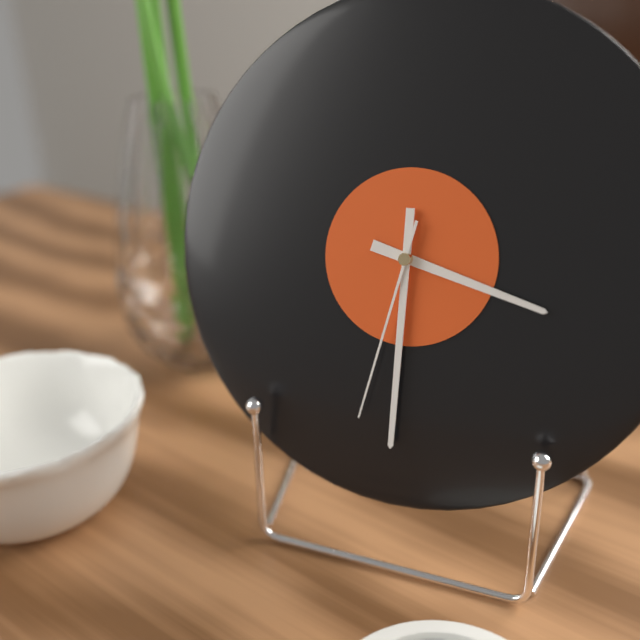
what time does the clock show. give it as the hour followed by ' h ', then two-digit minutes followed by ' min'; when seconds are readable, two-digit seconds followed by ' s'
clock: 3 h 30 min 32 s
